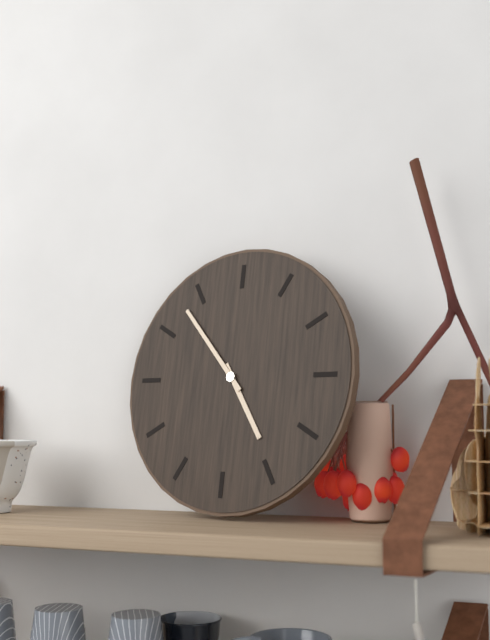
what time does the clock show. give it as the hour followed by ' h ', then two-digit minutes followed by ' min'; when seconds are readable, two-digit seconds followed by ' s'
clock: 4 h 53 min
